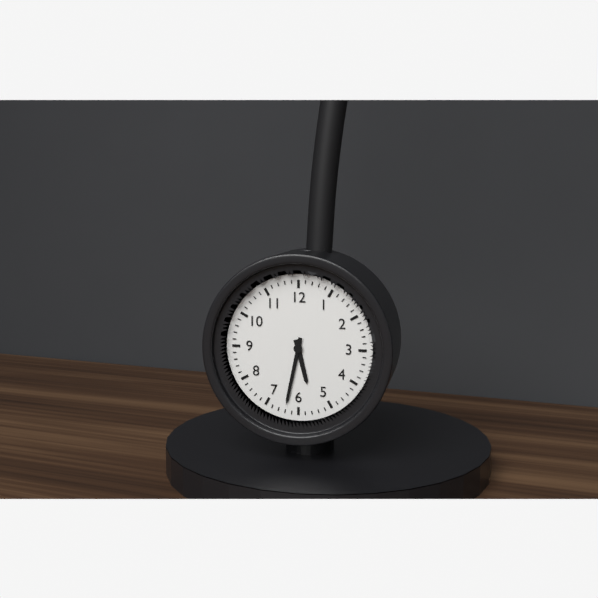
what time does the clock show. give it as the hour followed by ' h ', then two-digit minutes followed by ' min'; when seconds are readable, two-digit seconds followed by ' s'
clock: 5 h 32 min
